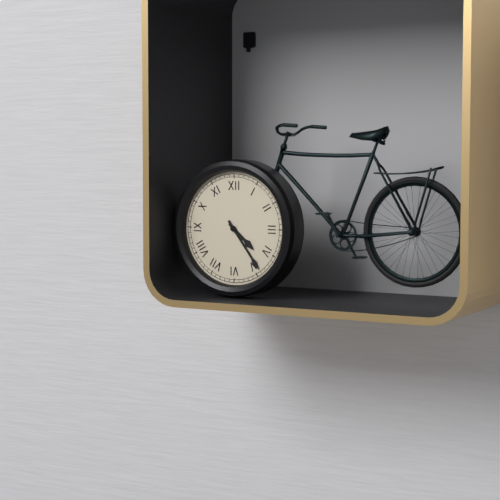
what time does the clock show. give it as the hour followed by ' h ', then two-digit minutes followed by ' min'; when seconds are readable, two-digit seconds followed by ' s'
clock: 4 h 24 min
